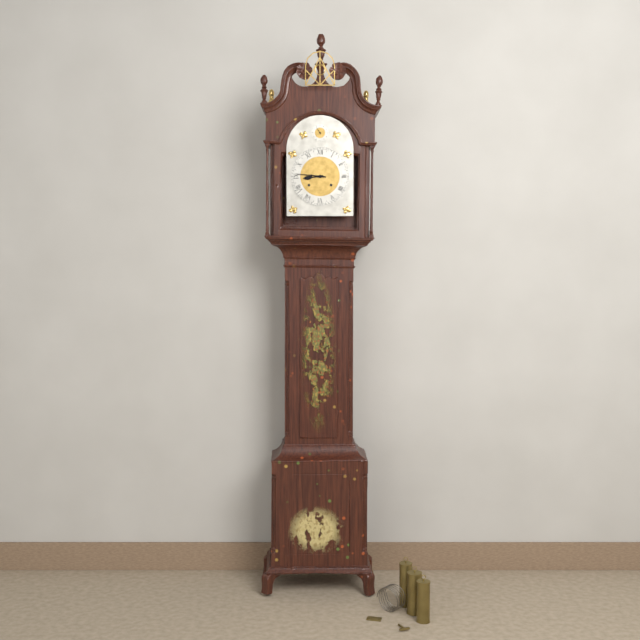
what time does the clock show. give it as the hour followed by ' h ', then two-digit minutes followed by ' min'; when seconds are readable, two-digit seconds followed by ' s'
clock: 8 h 46 min
